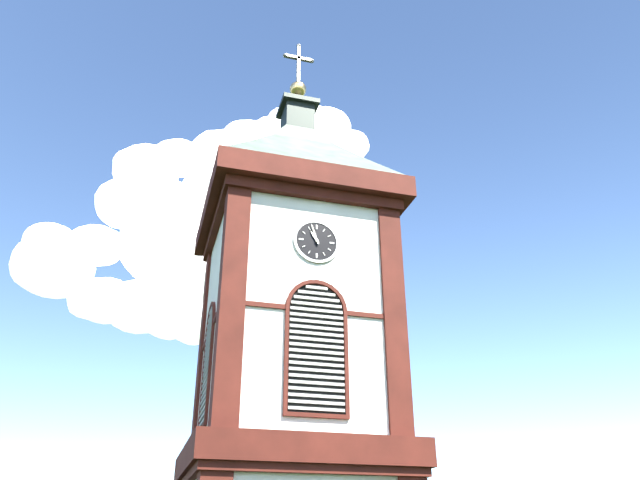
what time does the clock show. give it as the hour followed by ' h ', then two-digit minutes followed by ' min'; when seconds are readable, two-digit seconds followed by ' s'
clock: 10 h 57 min
